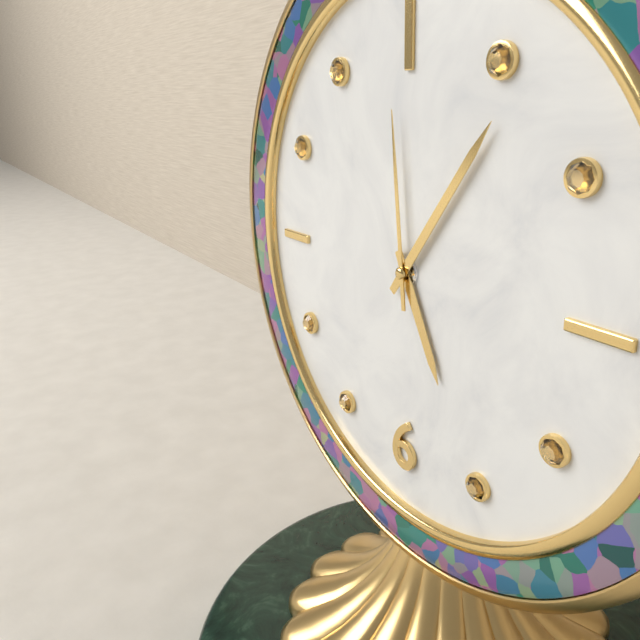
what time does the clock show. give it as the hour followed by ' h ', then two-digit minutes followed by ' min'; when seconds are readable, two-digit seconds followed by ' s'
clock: 5 h 06 min 59 s
